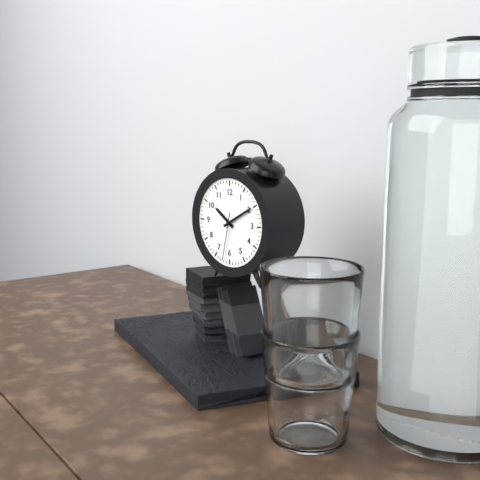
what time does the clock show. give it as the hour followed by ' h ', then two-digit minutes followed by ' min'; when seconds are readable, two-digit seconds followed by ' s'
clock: 10 h 10 min
